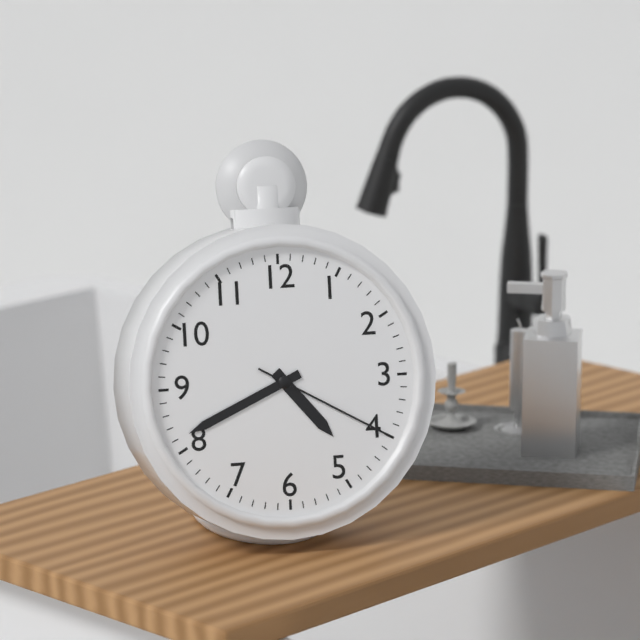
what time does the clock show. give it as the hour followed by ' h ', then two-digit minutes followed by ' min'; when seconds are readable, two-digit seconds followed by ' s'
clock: 4 h 41 min 20 s
